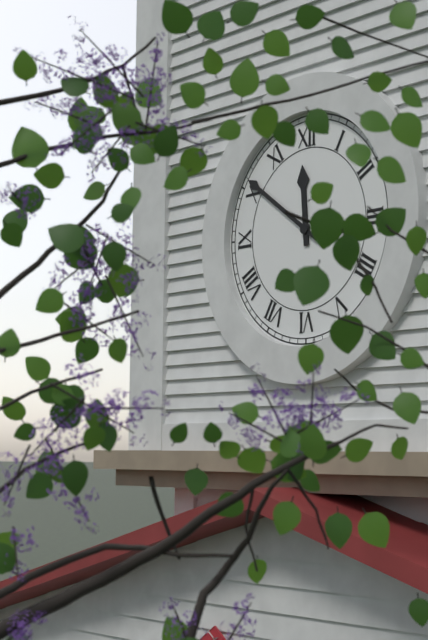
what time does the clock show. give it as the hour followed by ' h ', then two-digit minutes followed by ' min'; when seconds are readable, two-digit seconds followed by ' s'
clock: 11 h 51 min
